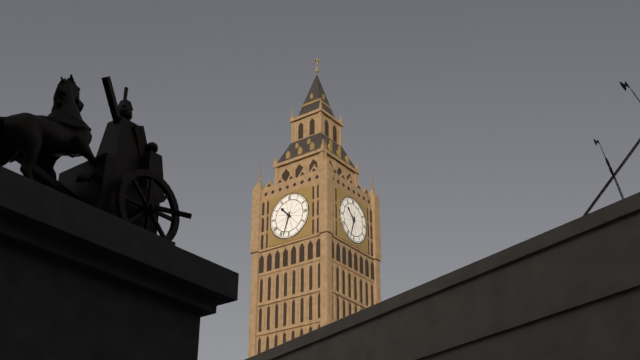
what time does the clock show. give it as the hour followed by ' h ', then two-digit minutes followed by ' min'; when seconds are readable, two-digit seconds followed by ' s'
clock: 10 h 33 min
